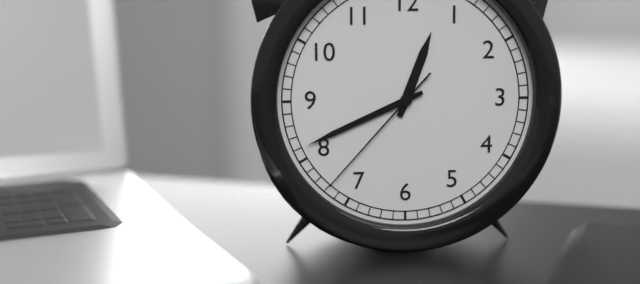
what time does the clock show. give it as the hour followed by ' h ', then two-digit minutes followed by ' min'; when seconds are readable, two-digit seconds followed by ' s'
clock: 12 h 41 min 37 s
